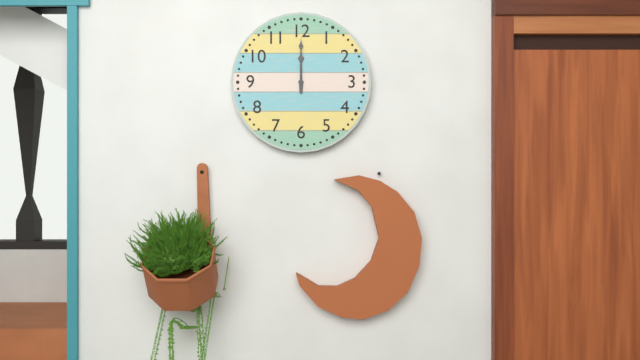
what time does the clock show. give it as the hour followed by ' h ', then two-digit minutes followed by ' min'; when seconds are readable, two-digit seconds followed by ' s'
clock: 12 h 00 min
